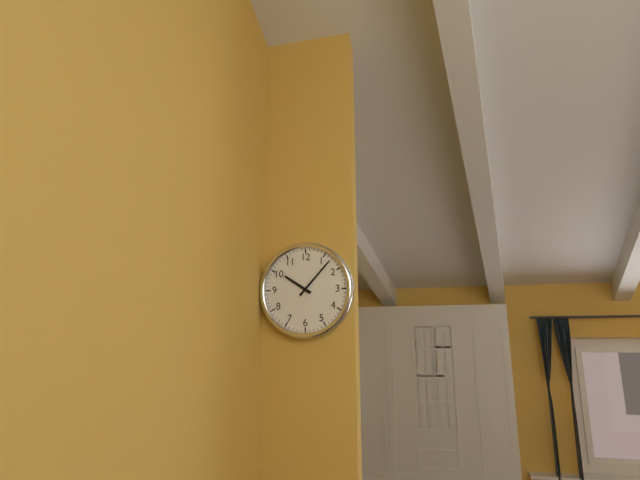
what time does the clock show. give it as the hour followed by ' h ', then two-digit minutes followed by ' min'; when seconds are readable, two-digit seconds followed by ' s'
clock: 10 h 07 min
